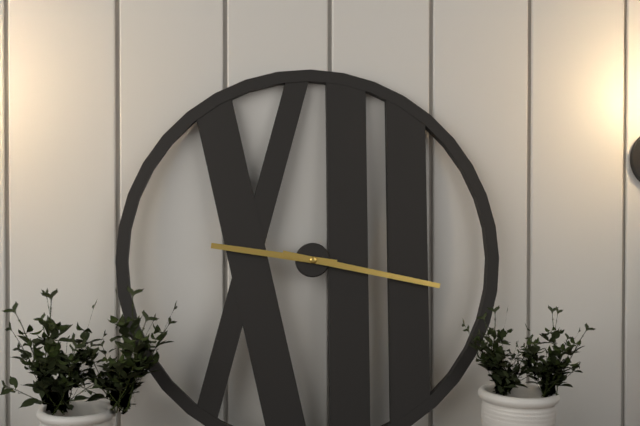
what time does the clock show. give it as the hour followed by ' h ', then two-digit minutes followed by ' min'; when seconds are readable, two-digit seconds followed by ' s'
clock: 9 h 17 min
